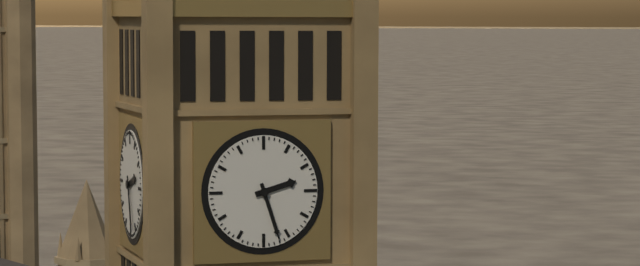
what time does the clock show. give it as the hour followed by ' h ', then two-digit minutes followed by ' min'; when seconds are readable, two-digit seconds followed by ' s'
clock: 2 h 27 min
